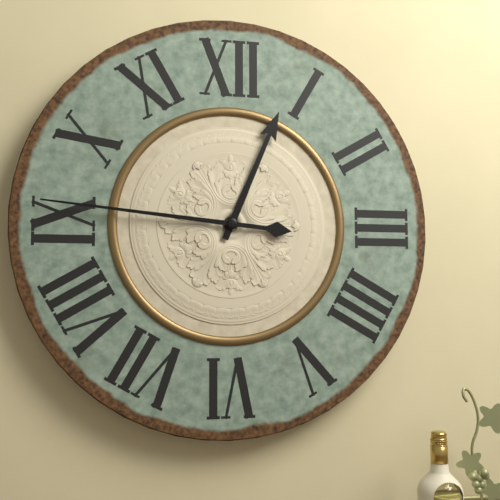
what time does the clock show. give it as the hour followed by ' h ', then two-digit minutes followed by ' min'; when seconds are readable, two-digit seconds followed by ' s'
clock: 12 h 46 min
